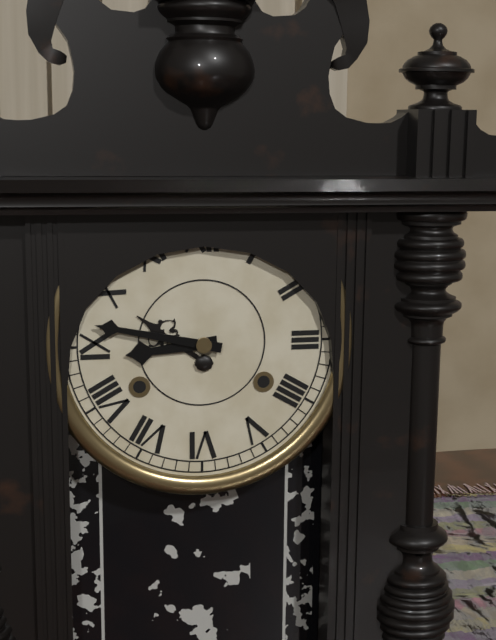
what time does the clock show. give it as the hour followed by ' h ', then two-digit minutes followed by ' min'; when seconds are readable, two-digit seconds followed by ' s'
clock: 8 h 47 min
